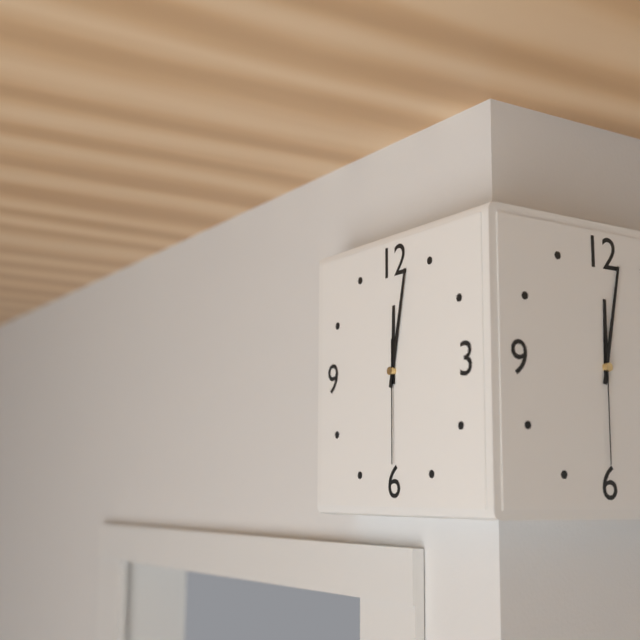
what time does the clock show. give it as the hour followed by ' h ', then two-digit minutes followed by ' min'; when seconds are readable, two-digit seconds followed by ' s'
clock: 12 h 02 min 30 s
